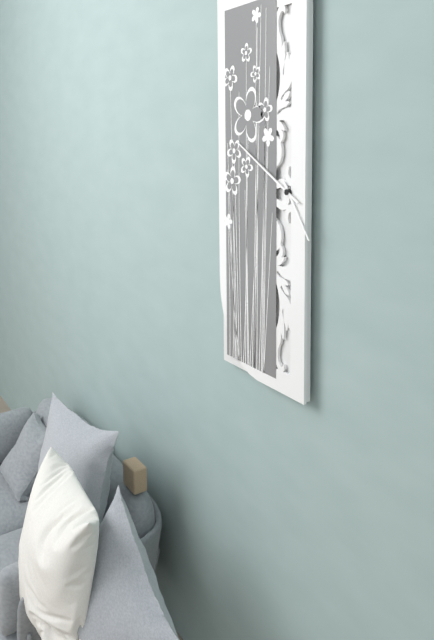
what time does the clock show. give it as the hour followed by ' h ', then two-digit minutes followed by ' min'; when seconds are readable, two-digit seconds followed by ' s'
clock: 4 h 50 min
